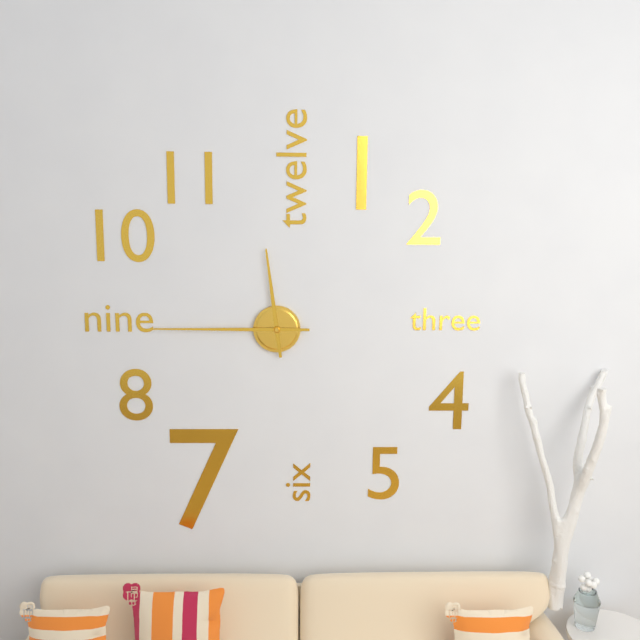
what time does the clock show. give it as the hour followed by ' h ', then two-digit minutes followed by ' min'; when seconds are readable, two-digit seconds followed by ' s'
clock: 11 h 45 min
